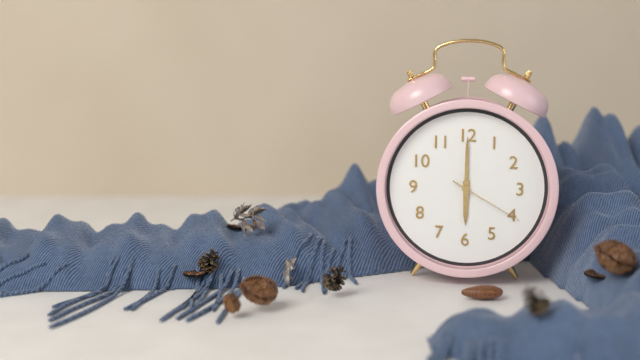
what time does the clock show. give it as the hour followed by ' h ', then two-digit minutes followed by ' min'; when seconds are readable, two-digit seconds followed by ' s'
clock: 6 h 00 min 20 s
